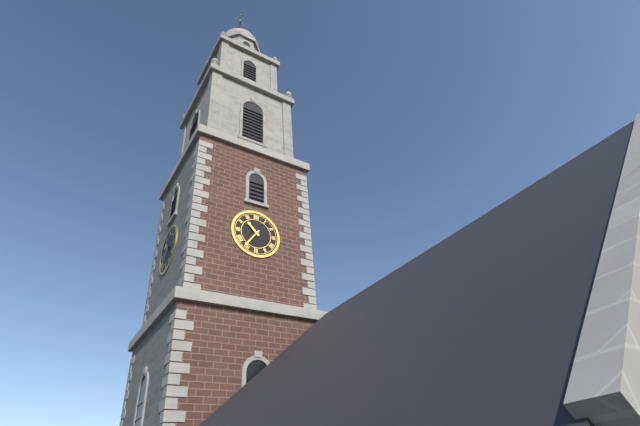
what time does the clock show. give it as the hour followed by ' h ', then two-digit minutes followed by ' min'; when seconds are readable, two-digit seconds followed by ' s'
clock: 10 h 36 min
